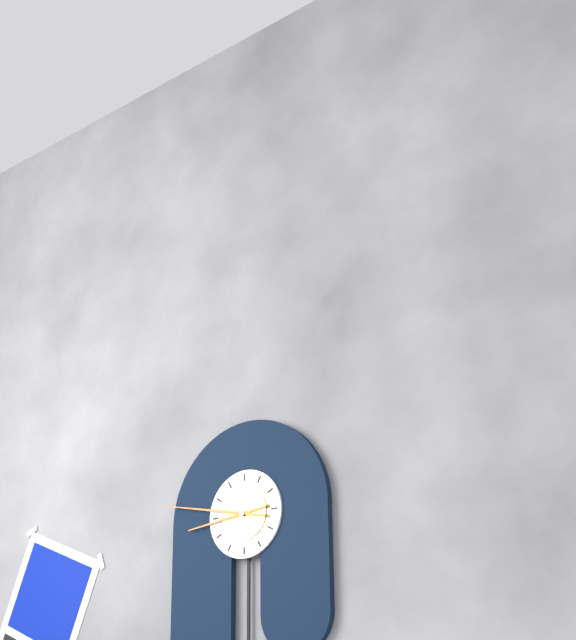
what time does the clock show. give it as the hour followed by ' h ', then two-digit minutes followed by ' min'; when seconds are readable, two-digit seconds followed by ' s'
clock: 8 h 47 min
